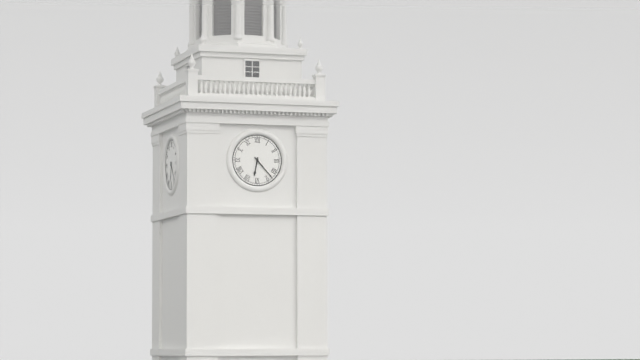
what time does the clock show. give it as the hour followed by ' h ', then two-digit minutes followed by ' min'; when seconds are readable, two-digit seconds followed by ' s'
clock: 6 h 23 min
